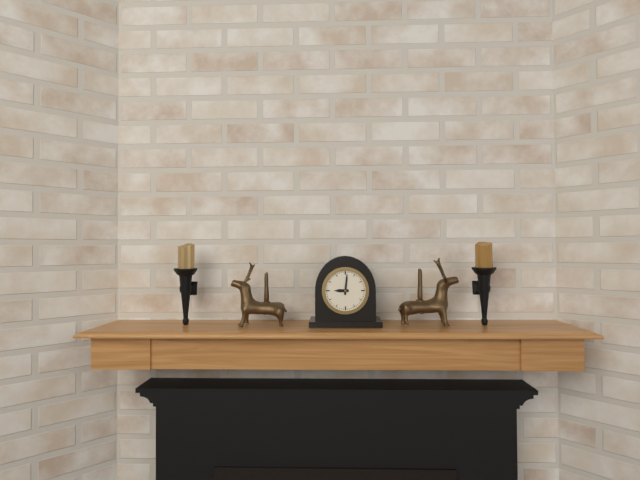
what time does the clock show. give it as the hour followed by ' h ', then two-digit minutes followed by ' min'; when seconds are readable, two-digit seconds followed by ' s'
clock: 9 h 01 min
